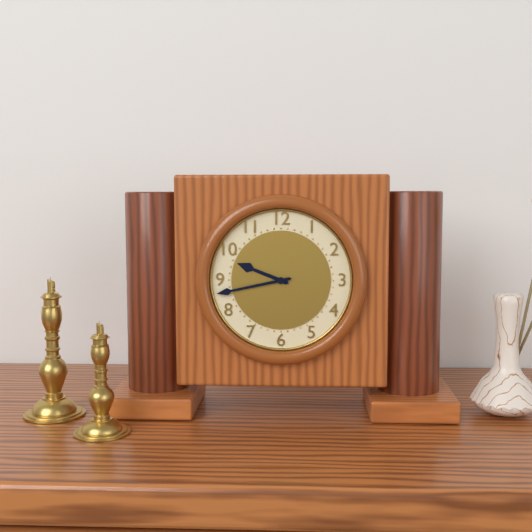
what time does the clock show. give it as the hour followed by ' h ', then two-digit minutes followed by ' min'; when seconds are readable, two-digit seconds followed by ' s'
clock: 9 h 43 min
